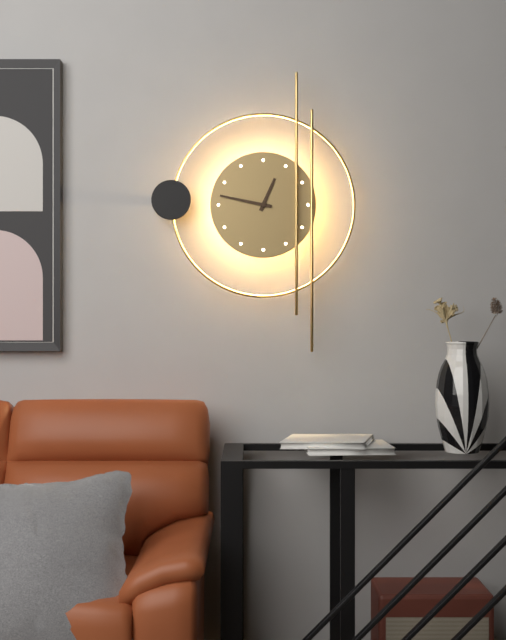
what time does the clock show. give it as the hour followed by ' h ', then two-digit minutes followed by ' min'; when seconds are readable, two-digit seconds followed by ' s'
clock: 12 h 47 min
